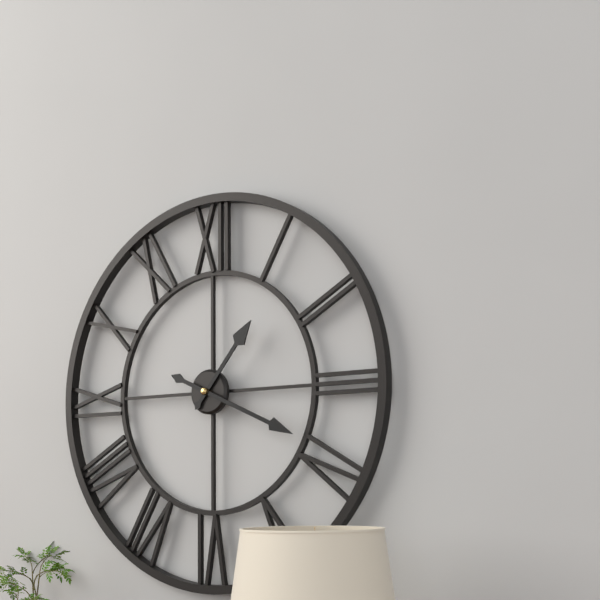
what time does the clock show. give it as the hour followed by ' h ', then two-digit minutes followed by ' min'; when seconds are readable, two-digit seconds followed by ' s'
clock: 1 h 19 min
